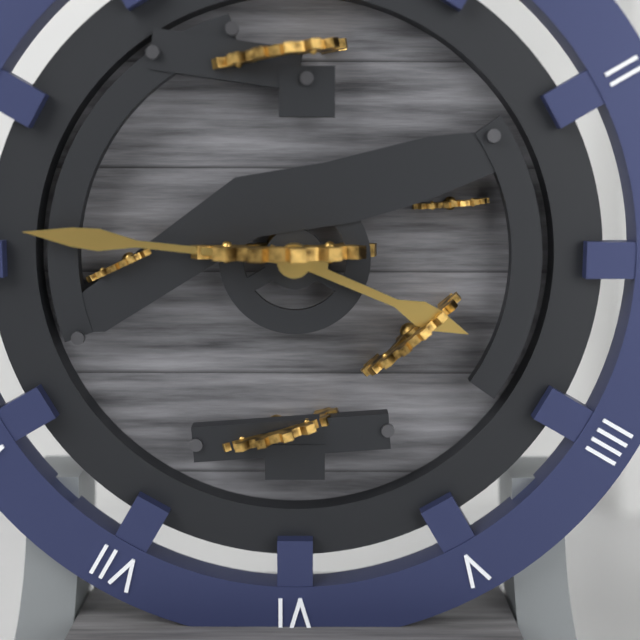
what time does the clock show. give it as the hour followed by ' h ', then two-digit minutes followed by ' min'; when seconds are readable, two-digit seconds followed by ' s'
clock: 3 h 46 min
